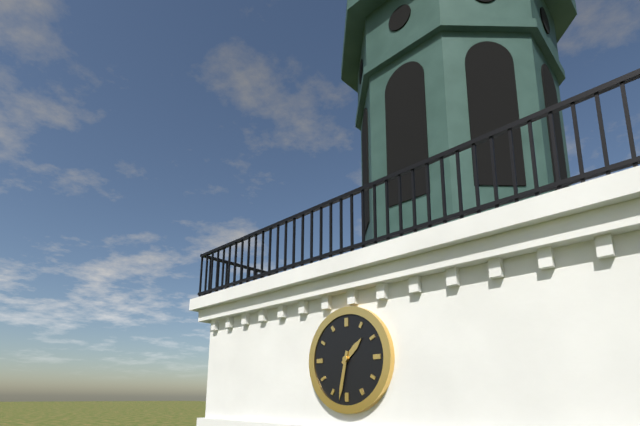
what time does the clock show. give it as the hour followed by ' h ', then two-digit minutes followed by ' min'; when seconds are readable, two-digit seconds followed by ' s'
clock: 1 h 32 min
